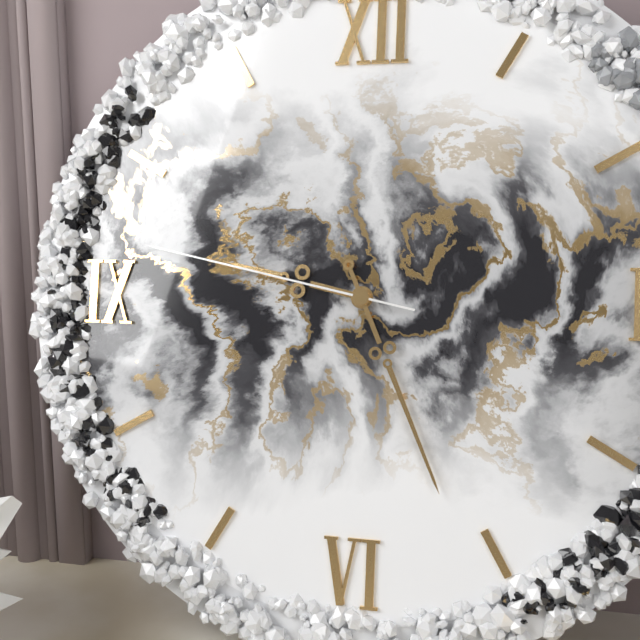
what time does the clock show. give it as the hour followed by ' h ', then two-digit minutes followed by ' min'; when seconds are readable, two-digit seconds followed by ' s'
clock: 9 h 26 min 47 s
